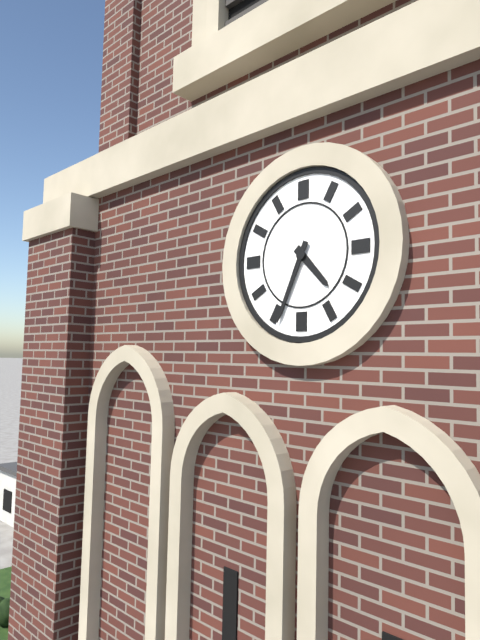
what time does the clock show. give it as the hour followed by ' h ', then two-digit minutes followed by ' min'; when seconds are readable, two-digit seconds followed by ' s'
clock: 4 h 34 min
